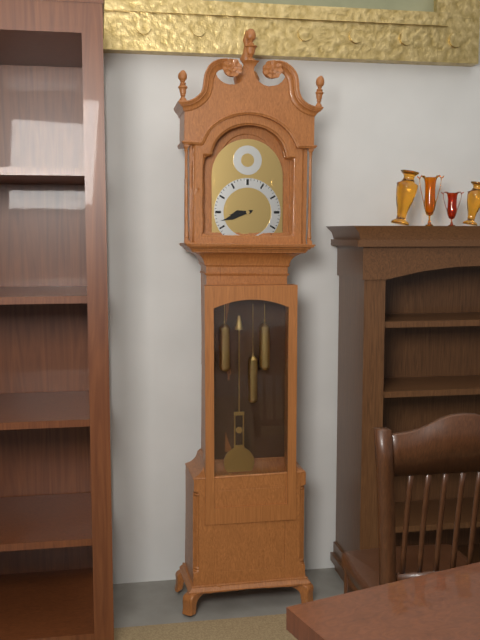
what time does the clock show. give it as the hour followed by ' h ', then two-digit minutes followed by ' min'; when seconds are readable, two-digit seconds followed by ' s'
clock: 8 h 42 min
